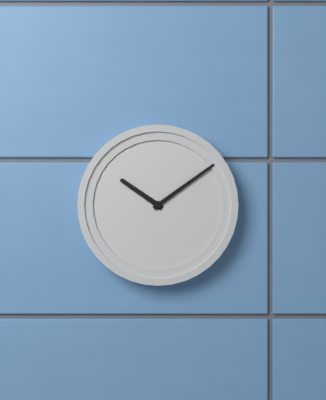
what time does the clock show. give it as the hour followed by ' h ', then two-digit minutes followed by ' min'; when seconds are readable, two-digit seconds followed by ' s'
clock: 10 h 09 min
